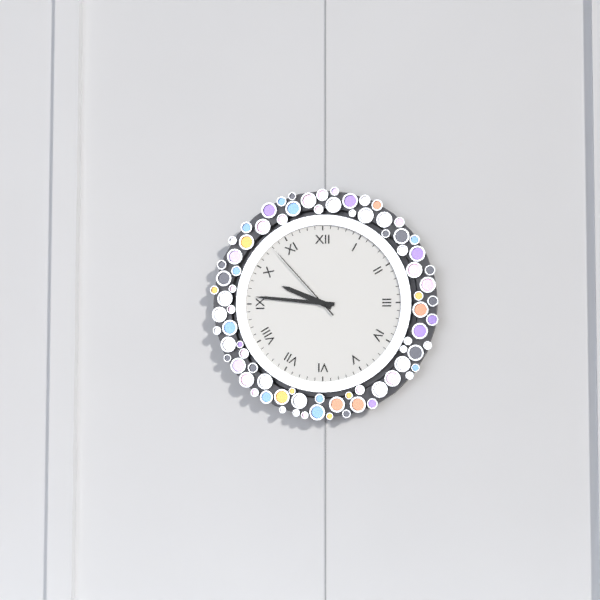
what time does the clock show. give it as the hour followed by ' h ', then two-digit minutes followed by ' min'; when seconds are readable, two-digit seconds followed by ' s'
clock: 9 h 46 min 53 s
